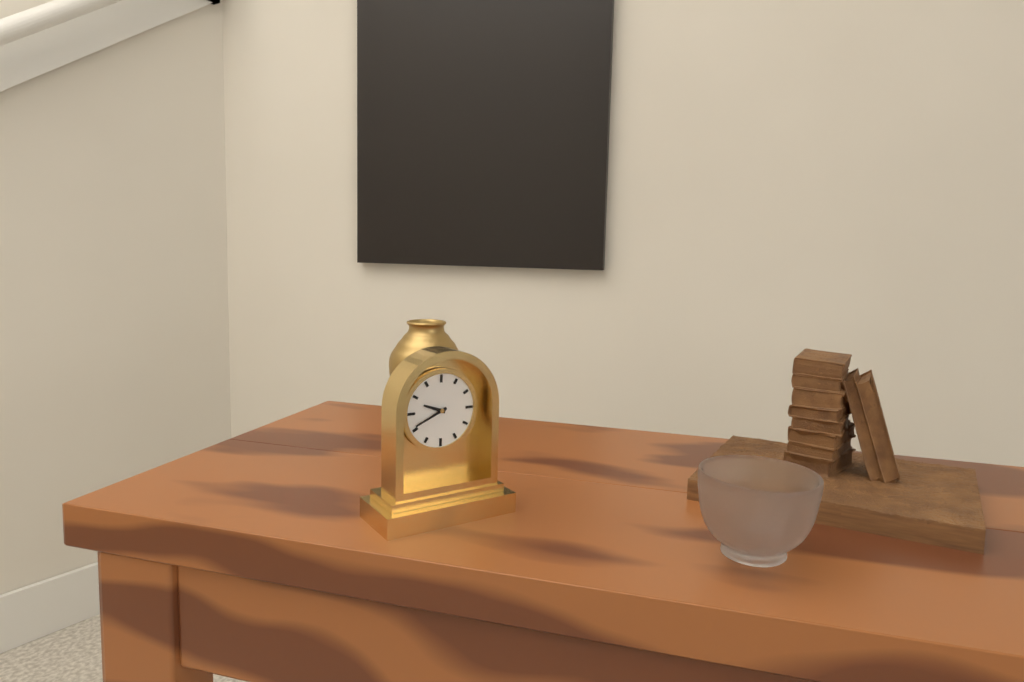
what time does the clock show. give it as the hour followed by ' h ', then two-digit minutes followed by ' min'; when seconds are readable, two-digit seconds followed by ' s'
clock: 9 h 41 min
